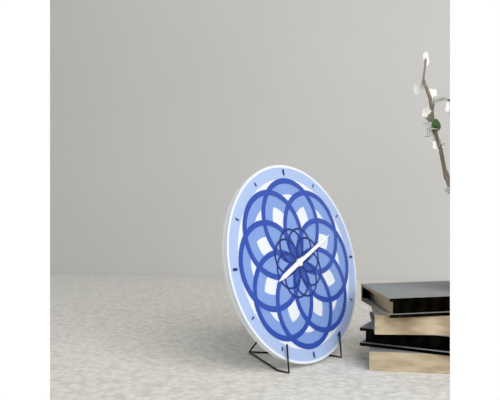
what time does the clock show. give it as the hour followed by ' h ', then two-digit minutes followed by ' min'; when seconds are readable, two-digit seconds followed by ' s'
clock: 8 h 11 min
